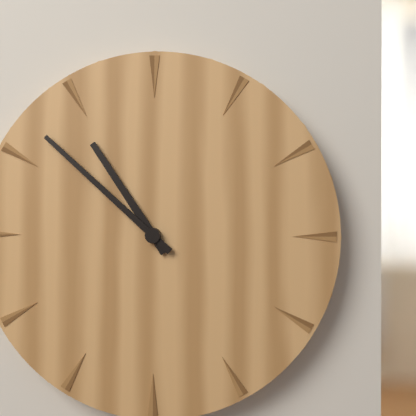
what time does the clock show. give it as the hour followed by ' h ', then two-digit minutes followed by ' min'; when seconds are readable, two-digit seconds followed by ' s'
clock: 10 h 52 min
